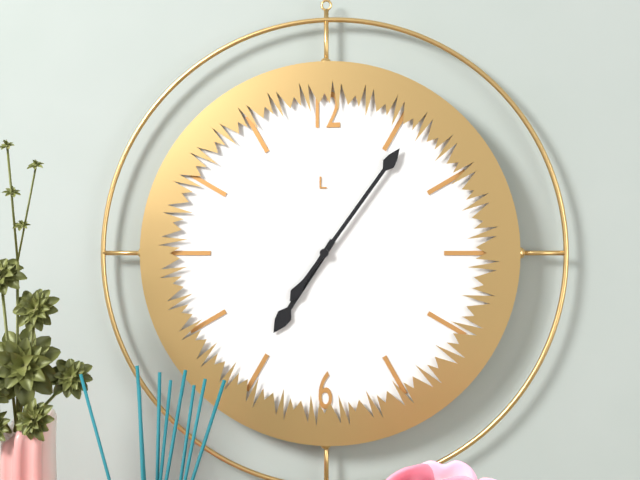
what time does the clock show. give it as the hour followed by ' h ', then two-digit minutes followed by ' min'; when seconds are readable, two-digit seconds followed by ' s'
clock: 7 h 06 min
